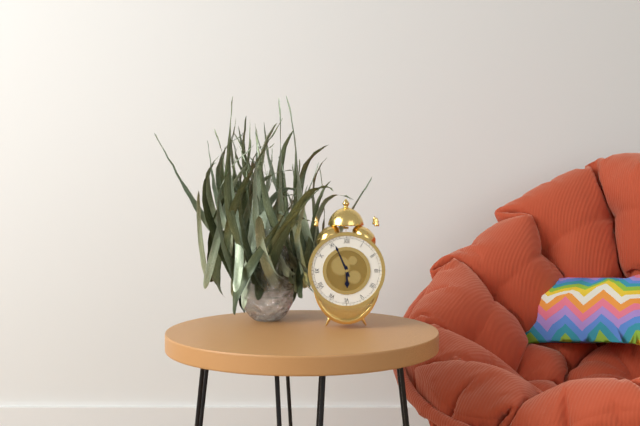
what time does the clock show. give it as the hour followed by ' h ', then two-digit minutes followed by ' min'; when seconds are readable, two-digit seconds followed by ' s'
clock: 5 h 56 min
